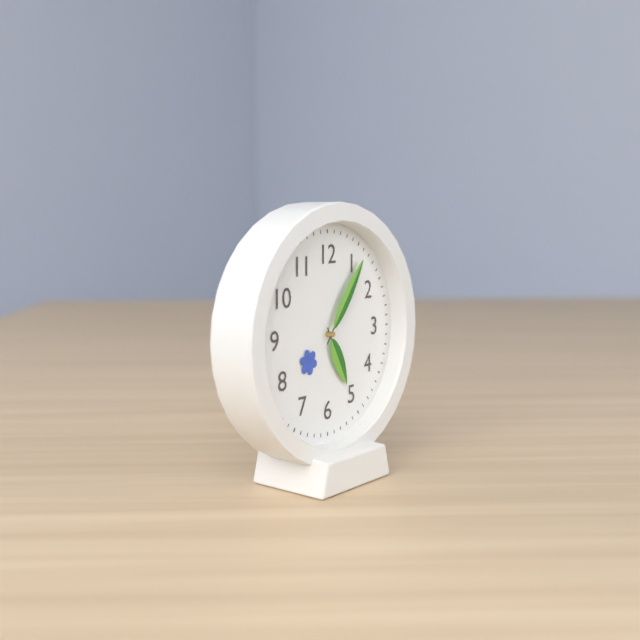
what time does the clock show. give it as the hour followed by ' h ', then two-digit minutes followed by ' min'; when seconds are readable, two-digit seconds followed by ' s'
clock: 5 h 06 min
